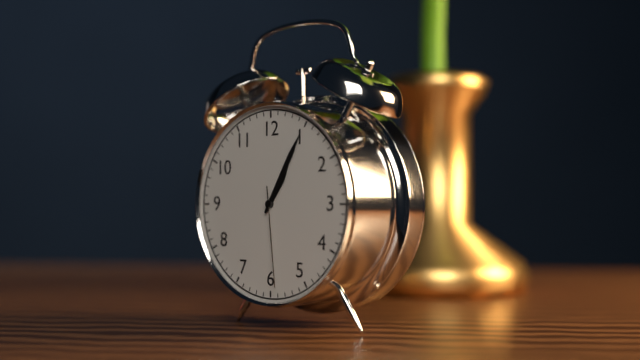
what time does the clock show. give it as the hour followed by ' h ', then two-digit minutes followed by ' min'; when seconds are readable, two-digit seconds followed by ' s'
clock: 1 h 05 min 29 s
